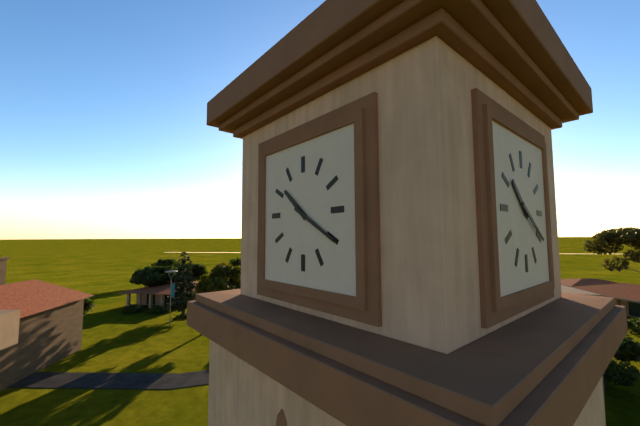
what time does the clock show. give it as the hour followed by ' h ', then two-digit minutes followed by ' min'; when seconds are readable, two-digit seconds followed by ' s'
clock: 10 h 20 min
